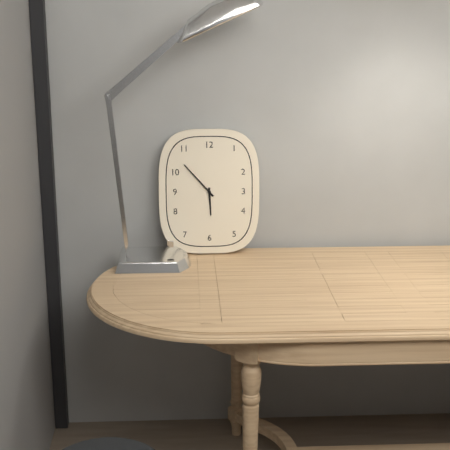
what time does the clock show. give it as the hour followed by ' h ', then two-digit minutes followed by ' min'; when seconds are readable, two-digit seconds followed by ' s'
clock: 5 h 53 min
